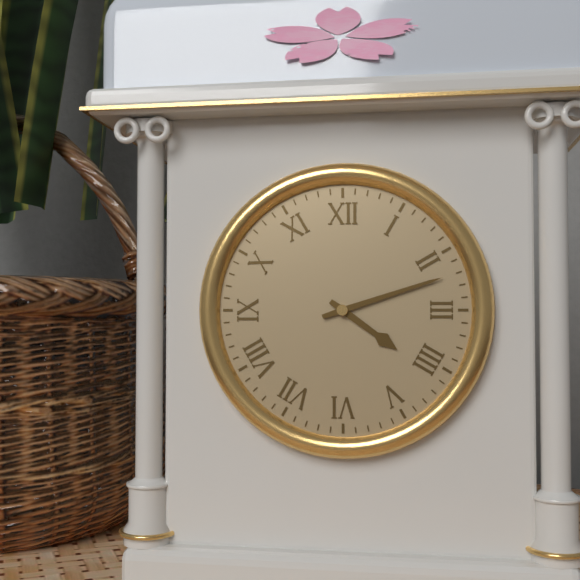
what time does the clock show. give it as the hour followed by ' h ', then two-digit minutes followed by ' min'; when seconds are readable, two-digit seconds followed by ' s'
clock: 4 h 12 min
